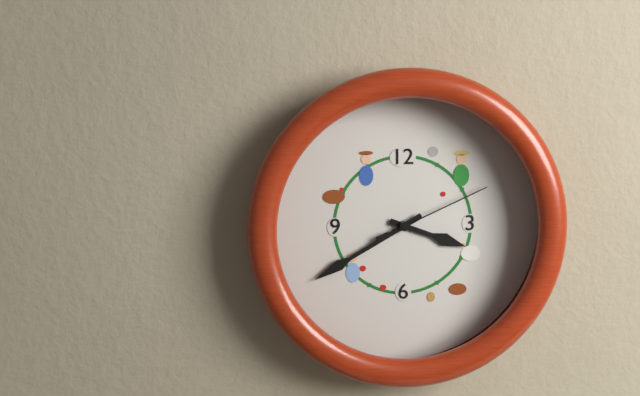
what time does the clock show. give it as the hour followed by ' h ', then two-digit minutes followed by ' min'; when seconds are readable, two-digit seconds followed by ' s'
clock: 3 h 40 min 11 s
